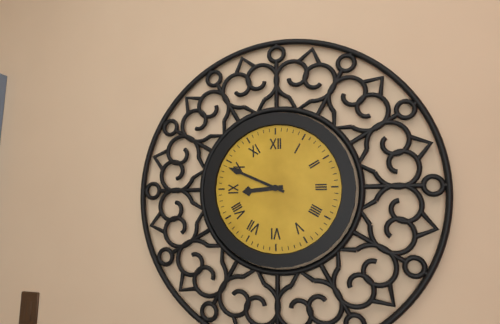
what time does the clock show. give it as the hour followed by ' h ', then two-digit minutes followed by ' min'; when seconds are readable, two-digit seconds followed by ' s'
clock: 8 h 49 min
